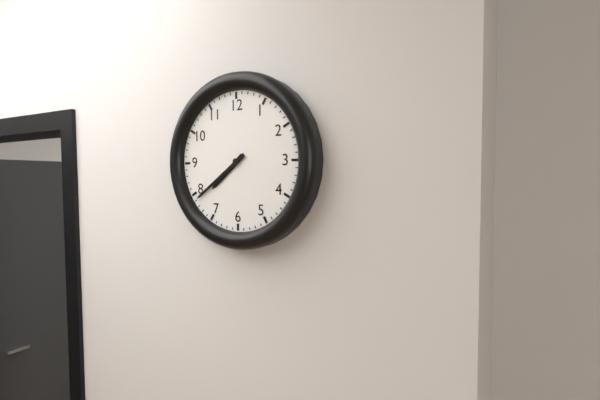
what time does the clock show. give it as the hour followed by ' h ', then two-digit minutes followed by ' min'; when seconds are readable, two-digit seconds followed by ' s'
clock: 7 h 39 min
